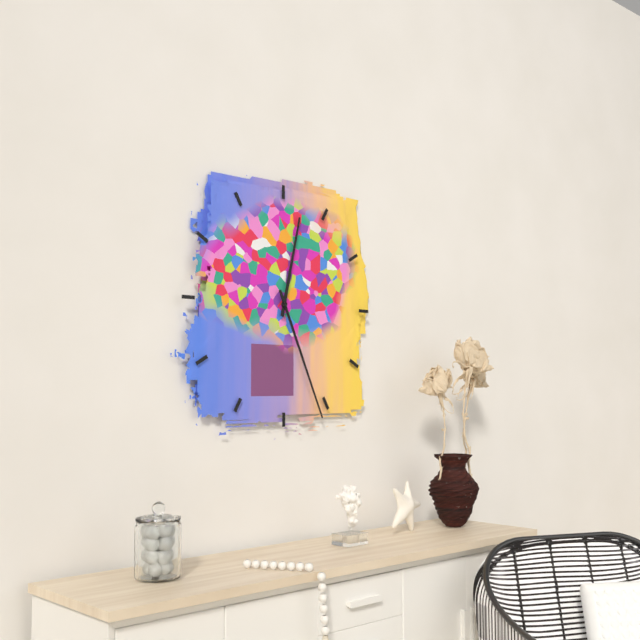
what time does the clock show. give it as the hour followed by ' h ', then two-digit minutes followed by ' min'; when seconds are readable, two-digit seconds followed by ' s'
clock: 12 h 26 min
